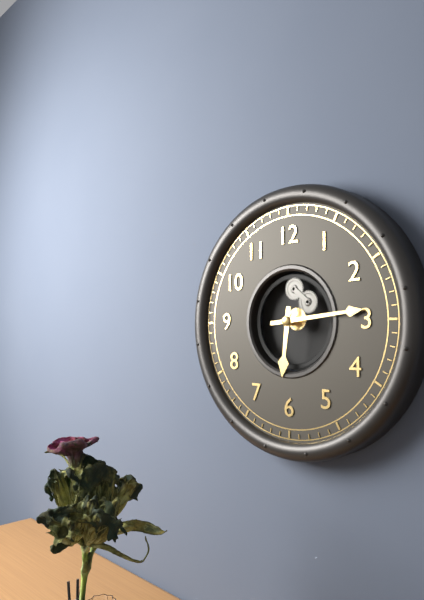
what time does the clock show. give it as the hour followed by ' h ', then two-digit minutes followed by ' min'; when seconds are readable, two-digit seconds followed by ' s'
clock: 6 h 14 min
